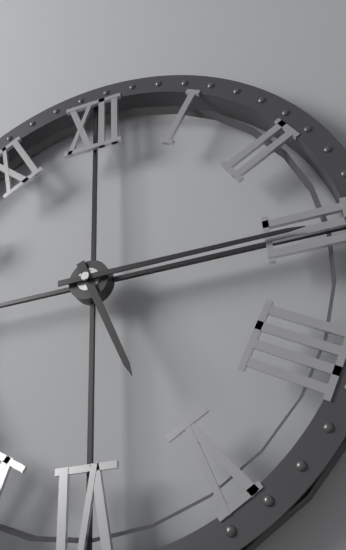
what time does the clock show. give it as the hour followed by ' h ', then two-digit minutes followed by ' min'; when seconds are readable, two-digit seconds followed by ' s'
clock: 5 h 15 min
